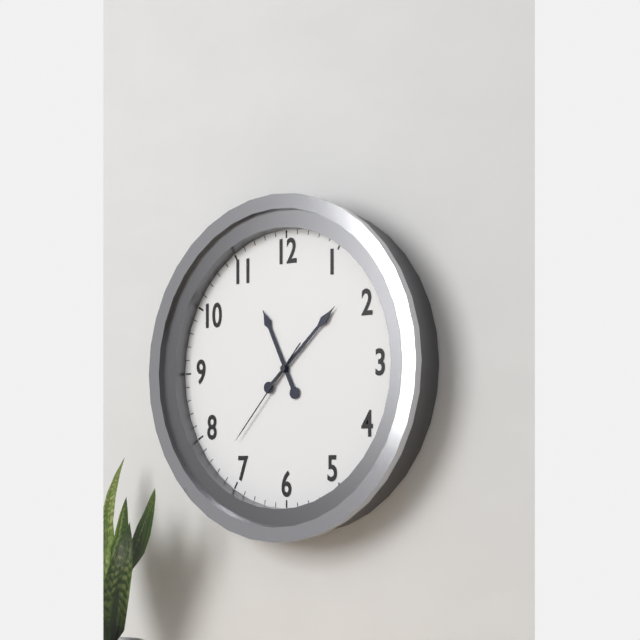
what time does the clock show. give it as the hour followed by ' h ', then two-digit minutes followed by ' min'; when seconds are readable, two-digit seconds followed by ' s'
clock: 11 h 08 min 37 s
